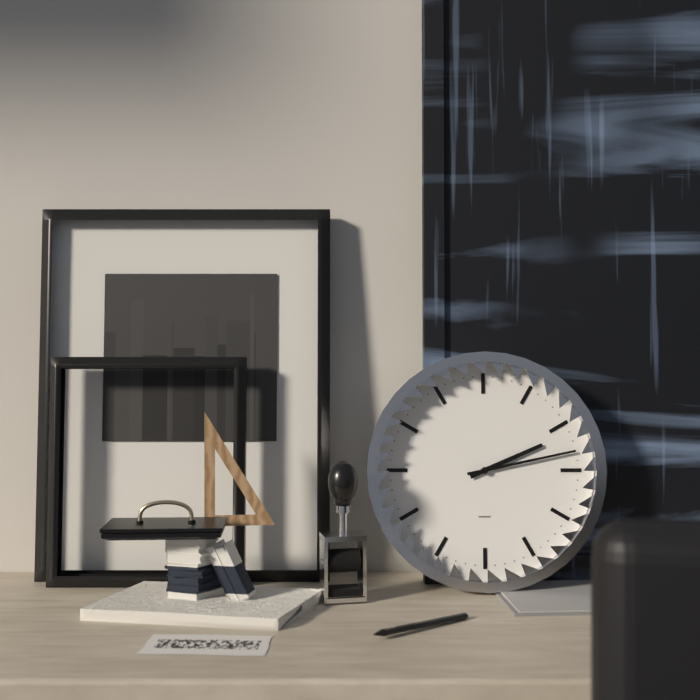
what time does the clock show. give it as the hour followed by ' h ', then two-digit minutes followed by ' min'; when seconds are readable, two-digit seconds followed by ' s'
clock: 2 h 13 min
